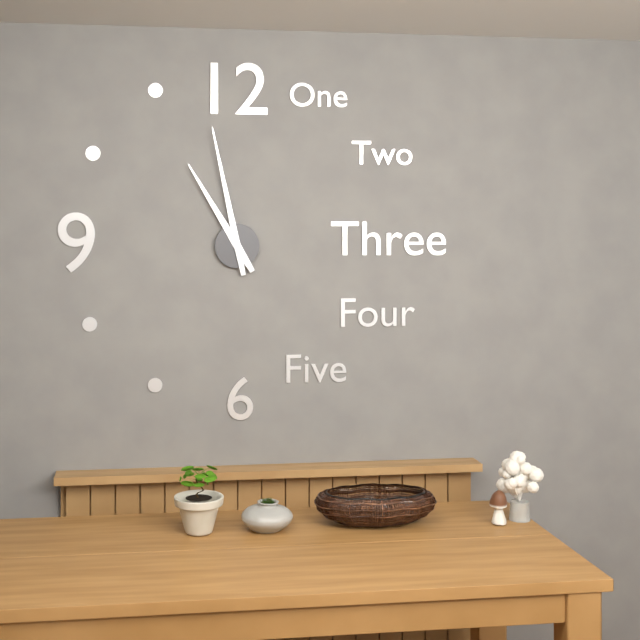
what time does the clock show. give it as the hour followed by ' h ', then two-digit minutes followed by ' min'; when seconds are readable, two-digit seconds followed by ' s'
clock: 10 h 58 min
